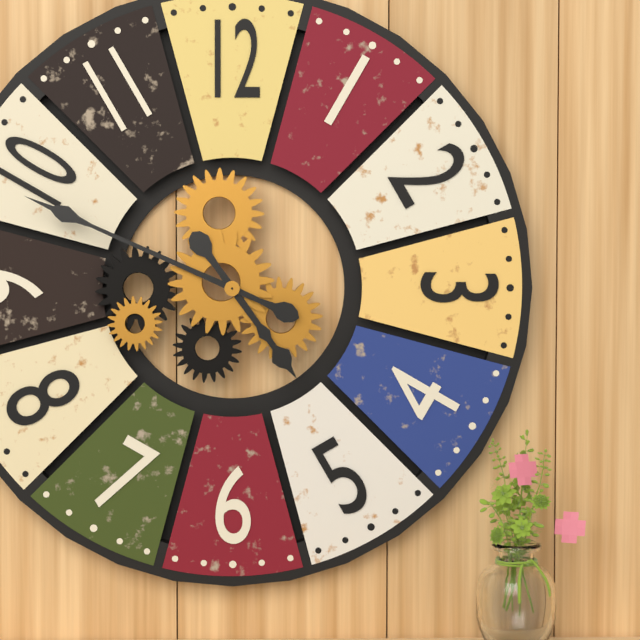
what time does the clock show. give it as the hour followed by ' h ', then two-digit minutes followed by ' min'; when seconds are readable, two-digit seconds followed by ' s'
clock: 4 h 49 min
